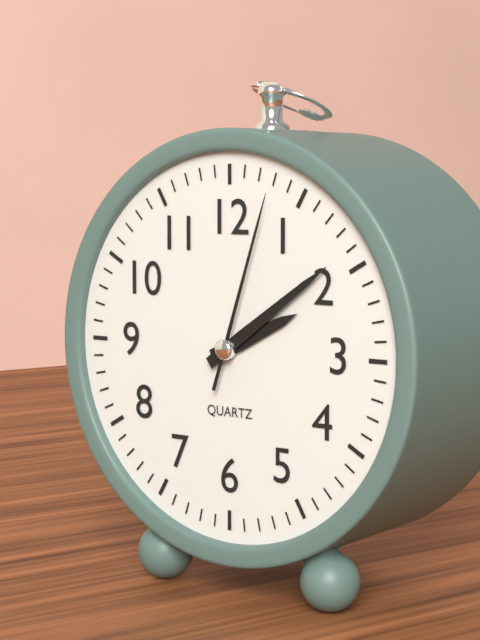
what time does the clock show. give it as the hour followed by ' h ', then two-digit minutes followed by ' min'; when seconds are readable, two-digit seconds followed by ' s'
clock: 2 h 09 min 03 s
